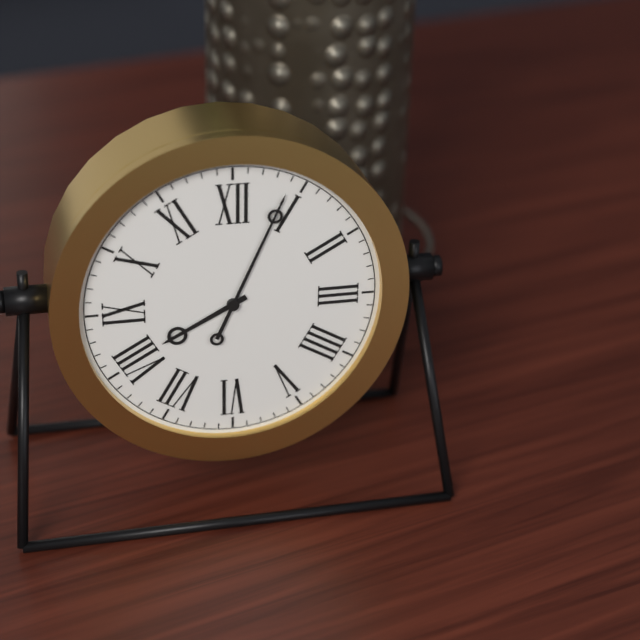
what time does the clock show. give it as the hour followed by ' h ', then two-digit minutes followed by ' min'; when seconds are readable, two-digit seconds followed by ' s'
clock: 8 h 04 min
